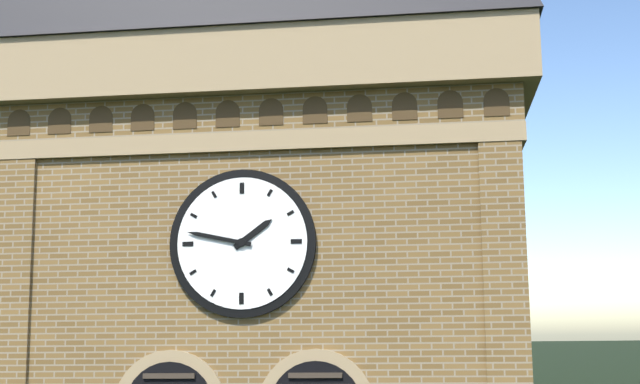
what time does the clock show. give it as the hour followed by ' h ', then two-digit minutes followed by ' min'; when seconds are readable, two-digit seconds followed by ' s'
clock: 1 h 47 min
